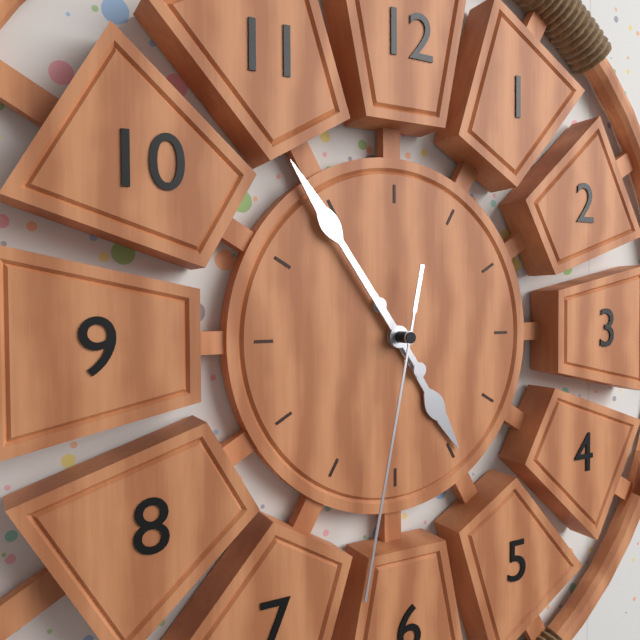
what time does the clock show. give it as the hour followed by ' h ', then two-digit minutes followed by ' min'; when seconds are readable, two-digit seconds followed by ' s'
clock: 4 h 54 min 32 s
